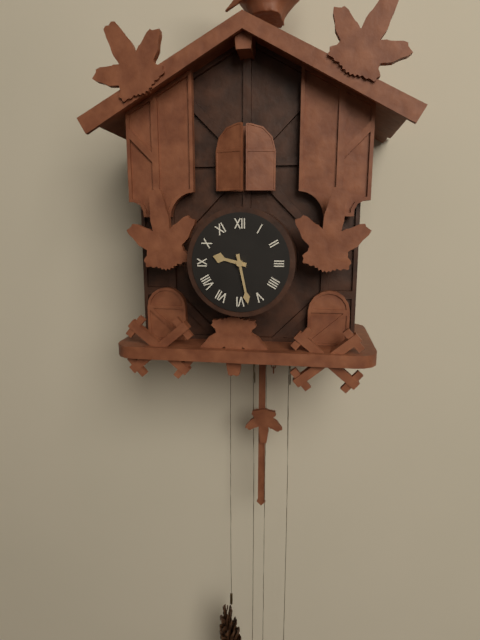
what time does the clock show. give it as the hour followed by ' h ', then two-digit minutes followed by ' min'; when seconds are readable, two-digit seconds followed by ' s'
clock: 9 h 28 min
